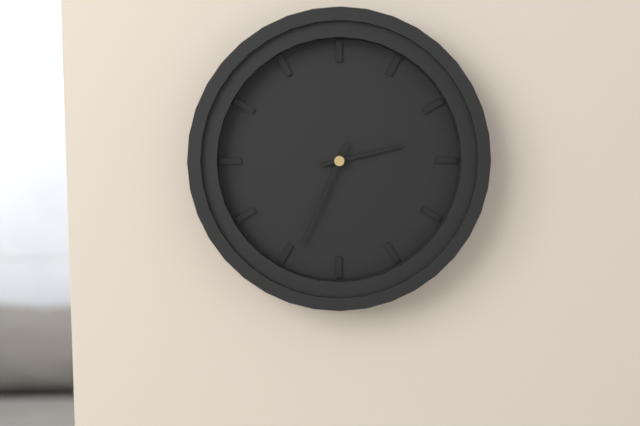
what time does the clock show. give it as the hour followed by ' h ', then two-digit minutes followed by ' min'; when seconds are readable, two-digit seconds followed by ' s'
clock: 2 h 34 min
